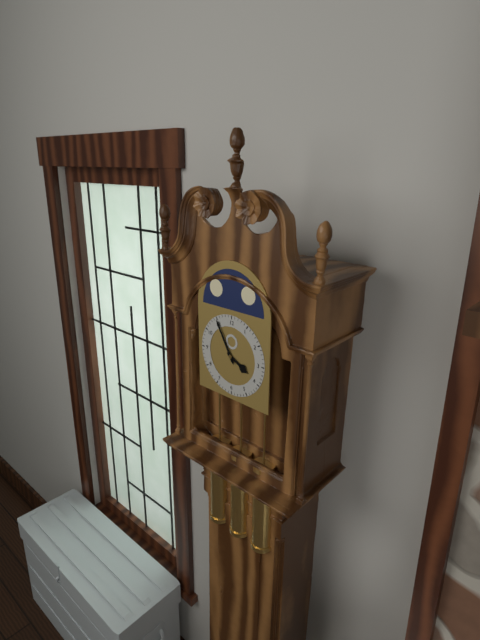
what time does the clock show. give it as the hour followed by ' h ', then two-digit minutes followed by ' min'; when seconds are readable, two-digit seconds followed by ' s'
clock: 3 h 55 min
